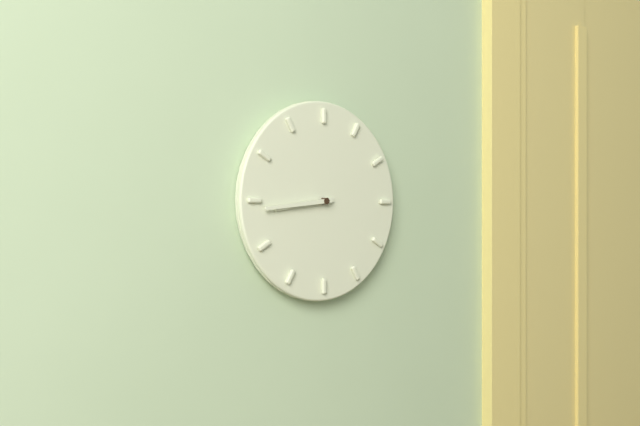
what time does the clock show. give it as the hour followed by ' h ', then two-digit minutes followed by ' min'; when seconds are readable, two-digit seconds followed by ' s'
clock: 8 h 44 min
